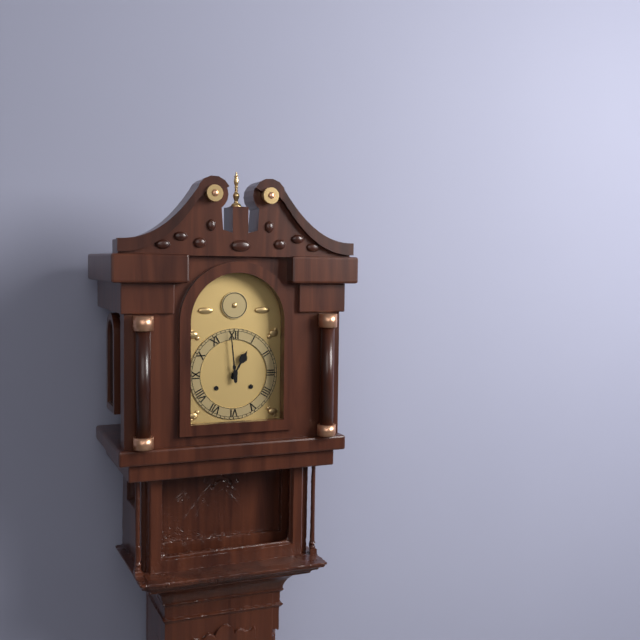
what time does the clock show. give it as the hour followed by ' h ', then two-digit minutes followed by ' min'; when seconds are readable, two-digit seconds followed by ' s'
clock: 12 h 59 min
